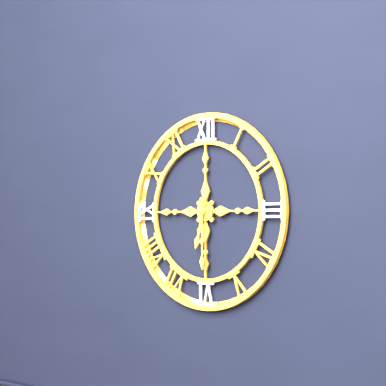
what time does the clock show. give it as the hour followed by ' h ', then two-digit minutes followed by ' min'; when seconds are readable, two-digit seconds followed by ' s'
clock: 6 h 30 min
